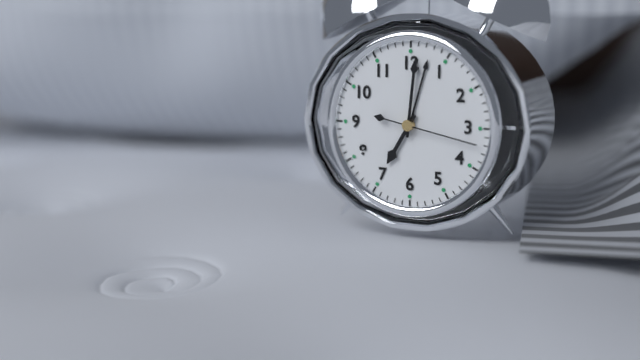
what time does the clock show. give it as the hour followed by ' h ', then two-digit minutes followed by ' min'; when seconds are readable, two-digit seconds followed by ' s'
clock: 7 h 01 min 17 s
